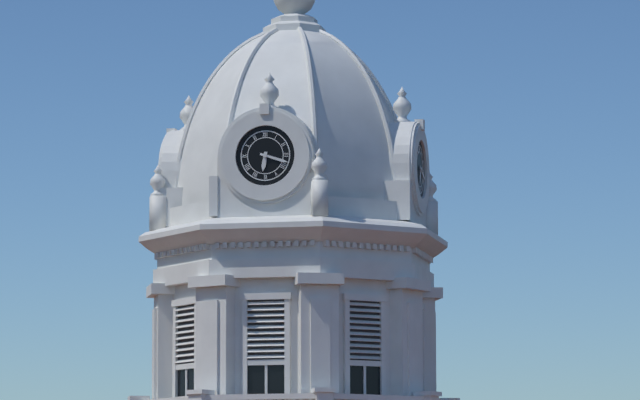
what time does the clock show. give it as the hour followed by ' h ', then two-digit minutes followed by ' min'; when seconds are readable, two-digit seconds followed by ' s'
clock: 6 h 18 min
